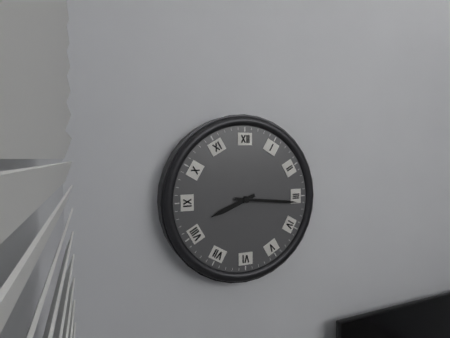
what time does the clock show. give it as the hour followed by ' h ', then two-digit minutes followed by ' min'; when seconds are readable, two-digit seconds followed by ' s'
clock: 8 h 16 min
